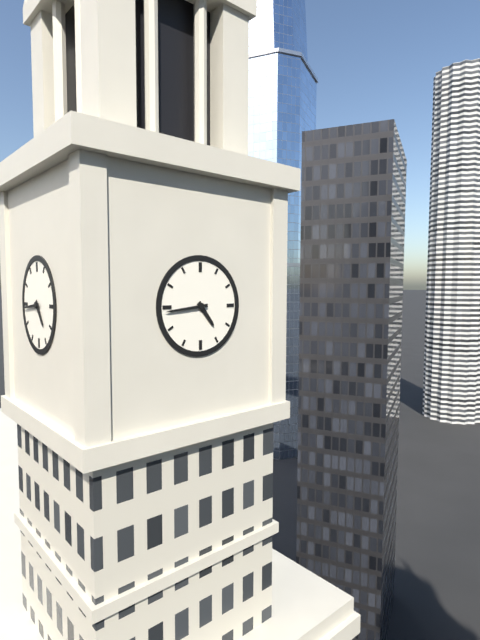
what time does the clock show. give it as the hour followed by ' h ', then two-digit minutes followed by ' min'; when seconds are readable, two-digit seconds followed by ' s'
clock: 4 h 44 min
